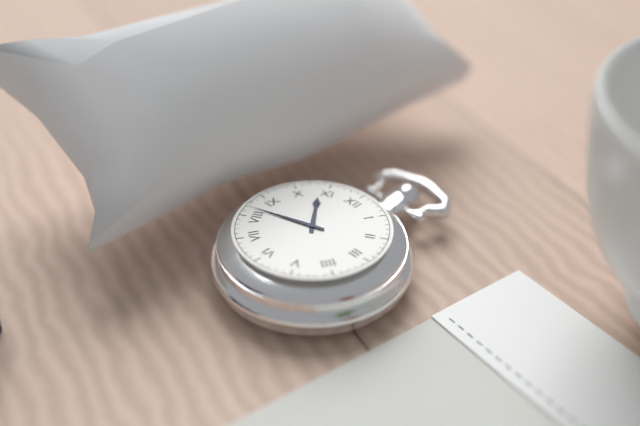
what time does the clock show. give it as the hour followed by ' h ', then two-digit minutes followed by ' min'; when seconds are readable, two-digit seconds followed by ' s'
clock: 10 h 42 min
